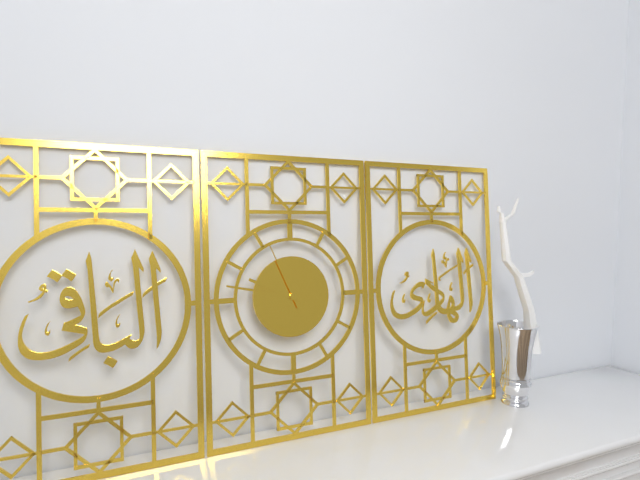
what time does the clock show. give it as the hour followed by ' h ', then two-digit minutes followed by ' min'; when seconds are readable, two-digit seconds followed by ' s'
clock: 9 h 47 min 56 s
